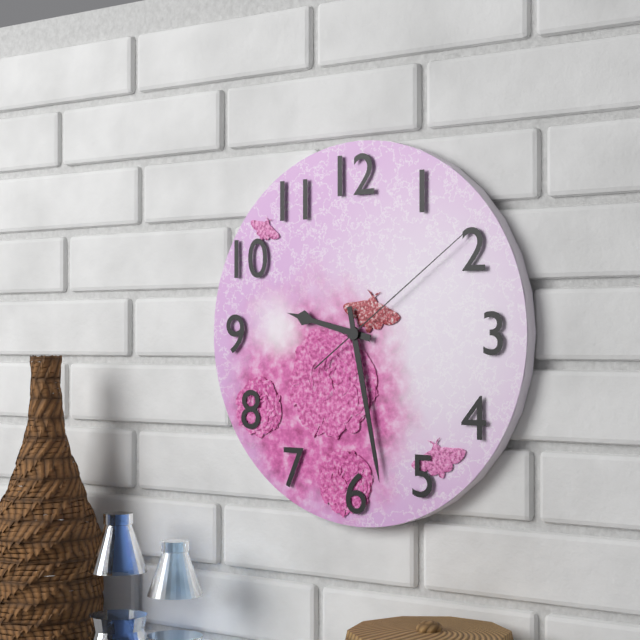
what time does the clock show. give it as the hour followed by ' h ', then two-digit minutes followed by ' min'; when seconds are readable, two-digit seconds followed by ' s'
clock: 9 h 28 min 09 s
